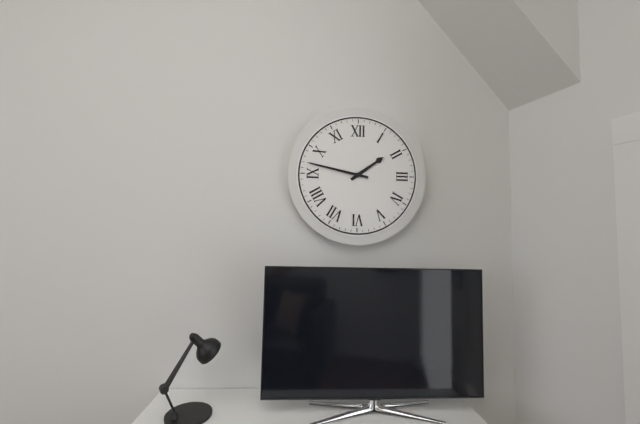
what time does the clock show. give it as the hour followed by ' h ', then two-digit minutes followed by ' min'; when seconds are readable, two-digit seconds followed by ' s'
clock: 1 h 47 min
